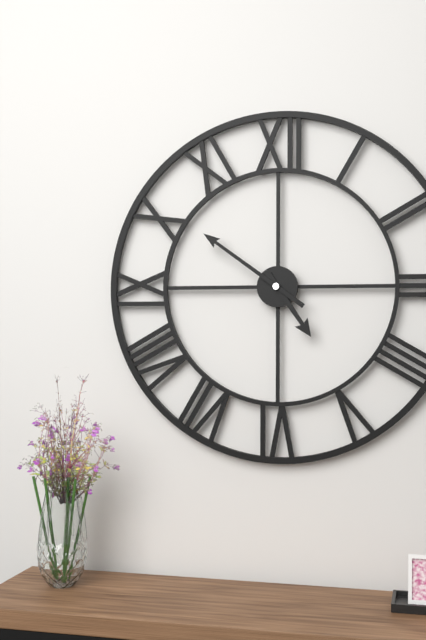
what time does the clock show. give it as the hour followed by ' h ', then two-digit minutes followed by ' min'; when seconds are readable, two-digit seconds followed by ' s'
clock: 4 h 51 min
